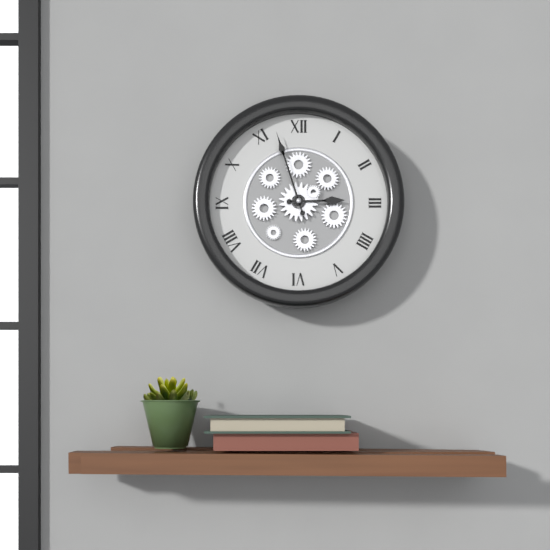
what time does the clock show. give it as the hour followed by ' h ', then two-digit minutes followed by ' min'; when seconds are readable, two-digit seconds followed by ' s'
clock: 2 h 57 min
